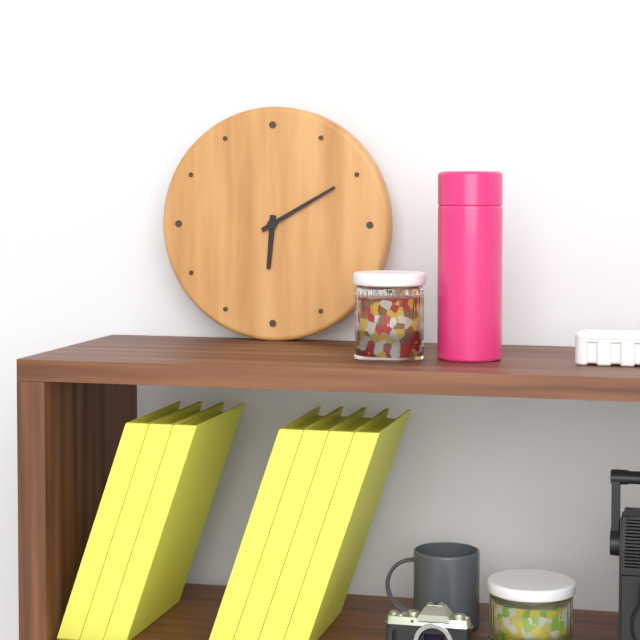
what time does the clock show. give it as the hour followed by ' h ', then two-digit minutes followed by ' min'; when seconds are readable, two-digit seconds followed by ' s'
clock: 6 h 10 min
